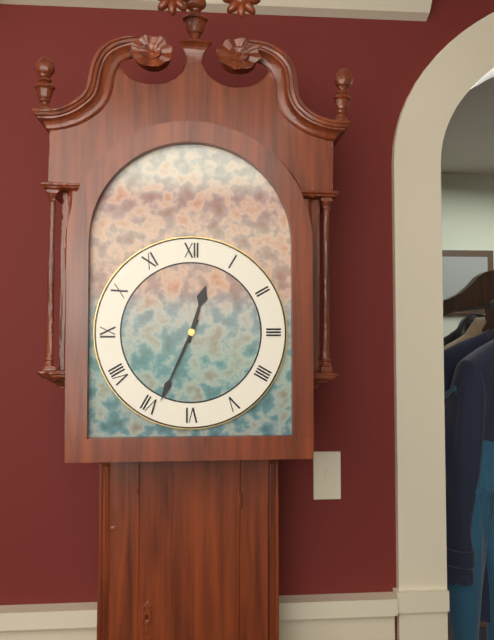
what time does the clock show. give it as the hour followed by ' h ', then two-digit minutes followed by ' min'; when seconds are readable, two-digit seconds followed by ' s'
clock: 12 h 34 min
